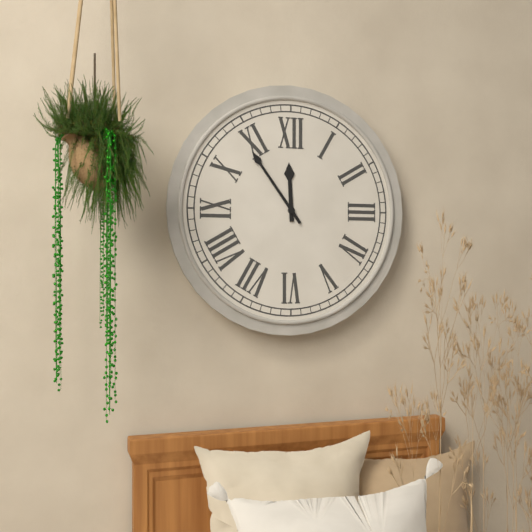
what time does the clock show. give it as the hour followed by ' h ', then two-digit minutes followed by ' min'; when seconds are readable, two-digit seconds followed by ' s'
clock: 11 h 54 min
